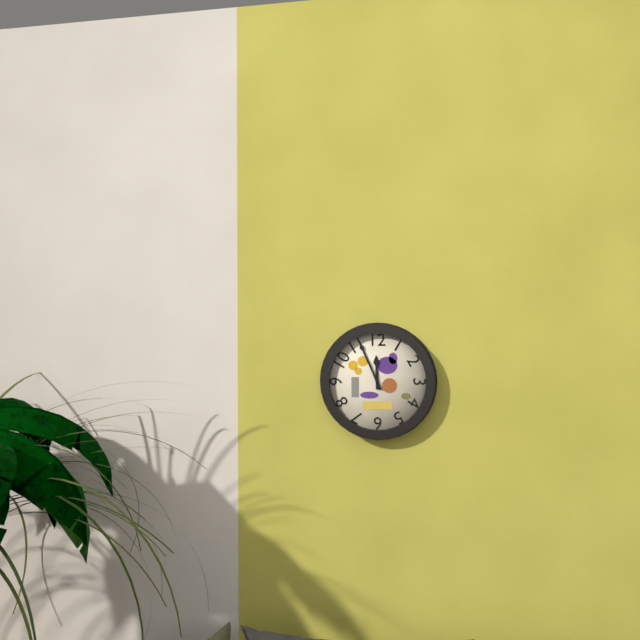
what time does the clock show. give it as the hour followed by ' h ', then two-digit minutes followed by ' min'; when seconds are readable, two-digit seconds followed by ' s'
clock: 11 h 56 min
